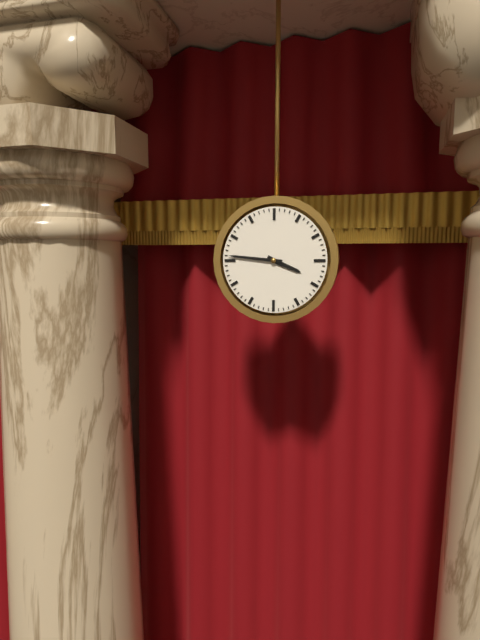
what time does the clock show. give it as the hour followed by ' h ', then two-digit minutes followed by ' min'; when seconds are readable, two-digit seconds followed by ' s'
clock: 3 h 46 min
